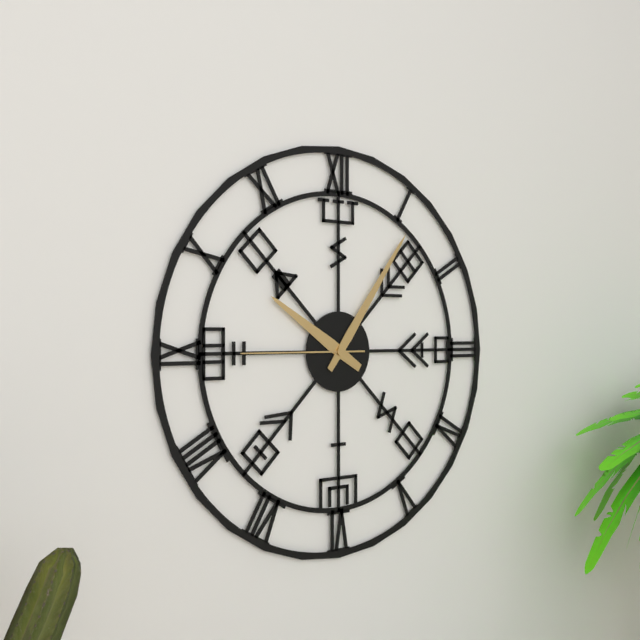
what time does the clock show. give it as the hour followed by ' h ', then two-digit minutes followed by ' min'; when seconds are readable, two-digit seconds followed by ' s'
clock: 10 h 06 min 45 s
